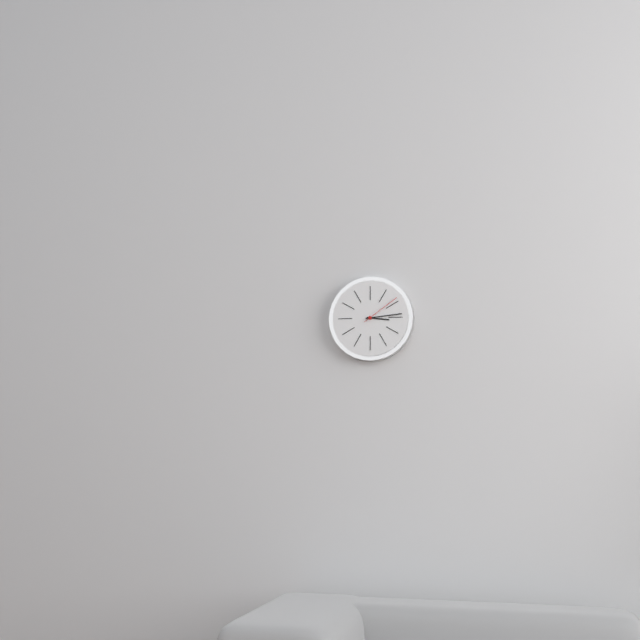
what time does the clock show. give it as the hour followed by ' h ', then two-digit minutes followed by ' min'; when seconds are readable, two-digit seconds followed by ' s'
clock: 3 h 14 min
